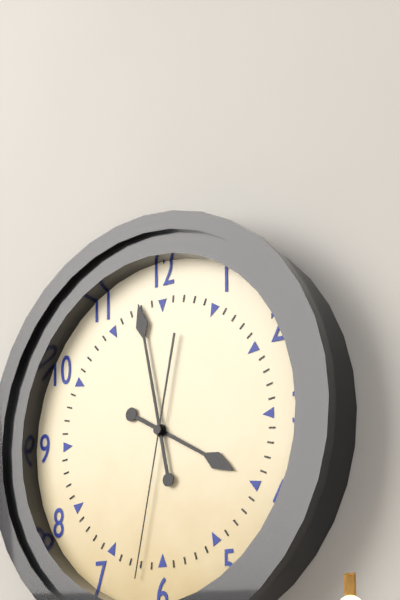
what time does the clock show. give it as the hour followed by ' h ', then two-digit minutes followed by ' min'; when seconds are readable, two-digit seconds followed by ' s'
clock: 3 h 58 min 32 s
